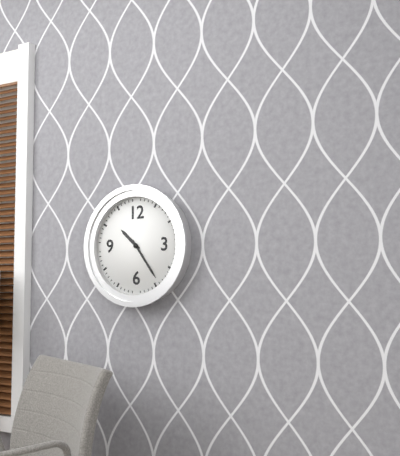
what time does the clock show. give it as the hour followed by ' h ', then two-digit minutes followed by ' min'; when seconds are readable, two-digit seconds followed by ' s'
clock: 10 h 24 min
